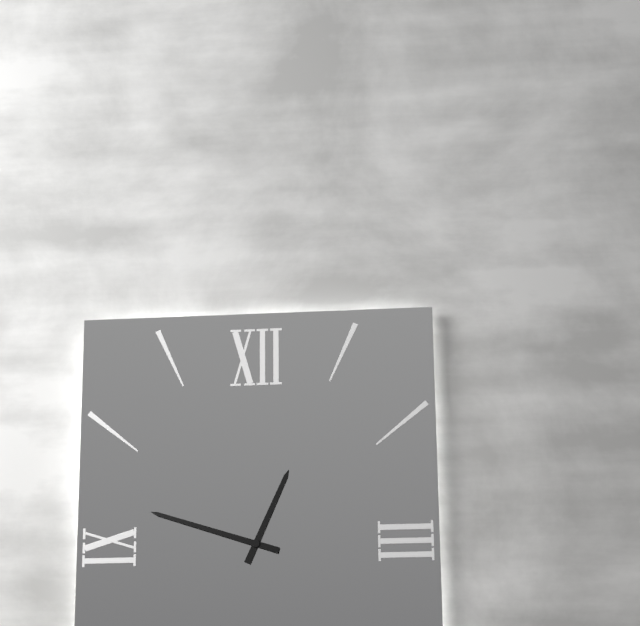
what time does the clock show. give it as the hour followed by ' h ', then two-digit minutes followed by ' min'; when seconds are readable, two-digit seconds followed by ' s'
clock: 12 h 48 min
